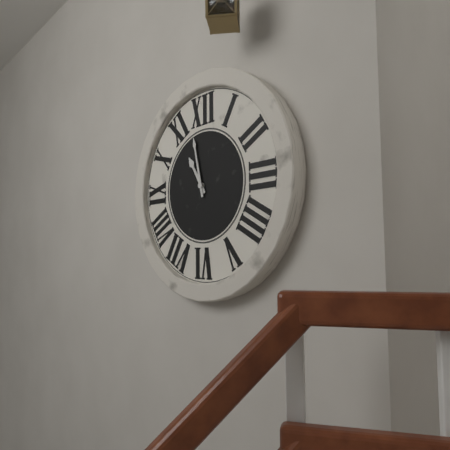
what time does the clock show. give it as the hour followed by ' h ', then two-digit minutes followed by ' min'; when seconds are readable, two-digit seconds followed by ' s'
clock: 10 h 58 min
